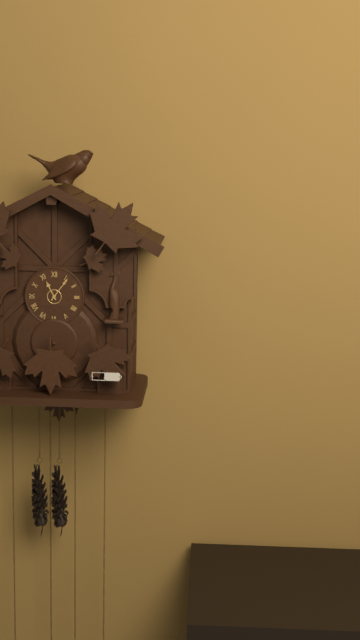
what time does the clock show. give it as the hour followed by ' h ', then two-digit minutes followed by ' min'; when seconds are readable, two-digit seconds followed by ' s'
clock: 11 h 06 min
